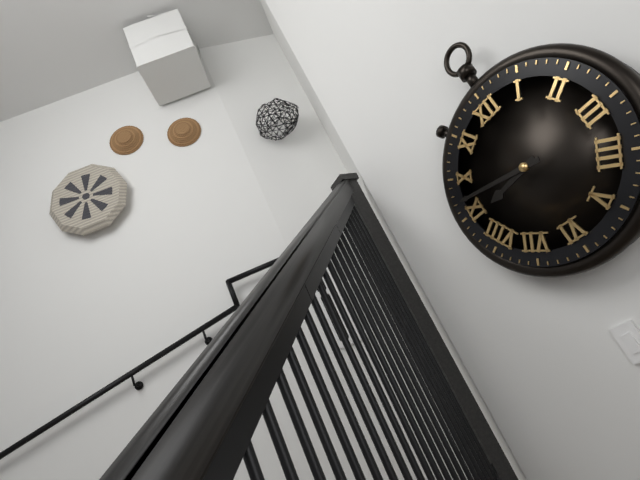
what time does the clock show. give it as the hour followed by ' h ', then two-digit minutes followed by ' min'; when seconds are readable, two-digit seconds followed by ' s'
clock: 8 h 47 min
